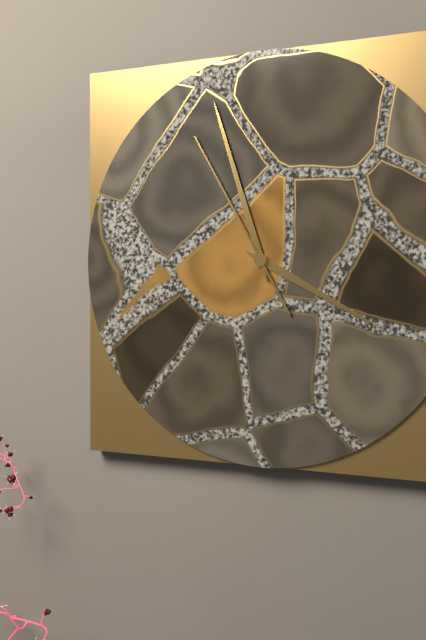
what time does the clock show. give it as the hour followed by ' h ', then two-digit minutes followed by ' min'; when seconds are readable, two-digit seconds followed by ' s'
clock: 3 h 57 min 55 s
